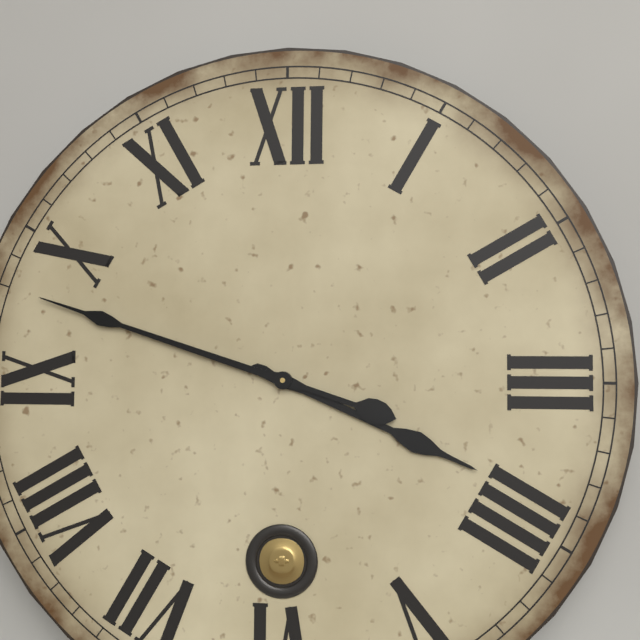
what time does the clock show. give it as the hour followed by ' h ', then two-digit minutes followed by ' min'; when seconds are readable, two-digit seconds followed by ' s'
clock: 3 h 48 min
